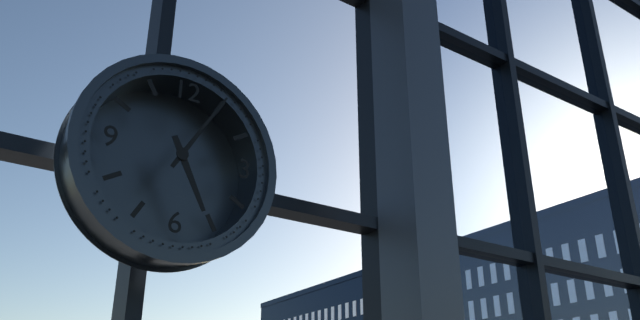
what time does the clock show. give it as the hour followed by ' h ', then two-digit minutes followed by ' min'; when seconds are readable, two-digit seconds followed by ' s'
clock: 5 h 05 min
